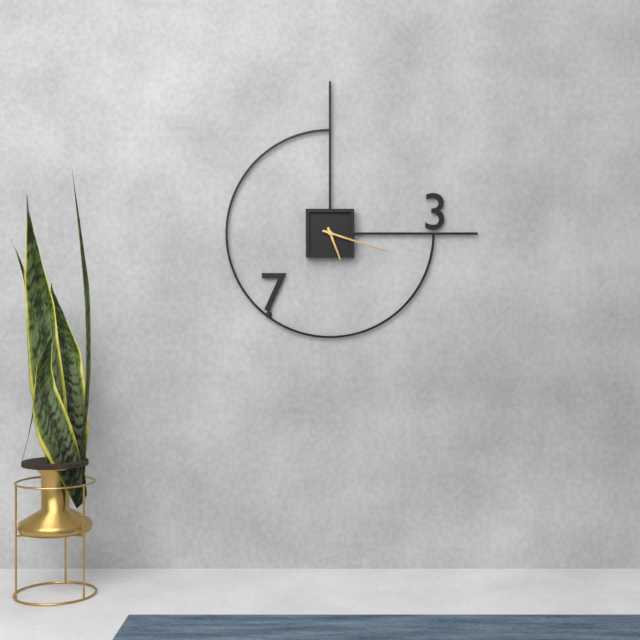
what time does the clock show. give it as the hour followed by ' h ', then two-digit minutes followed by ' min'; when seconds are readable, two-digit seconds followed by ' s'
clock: 5 h 18 min
